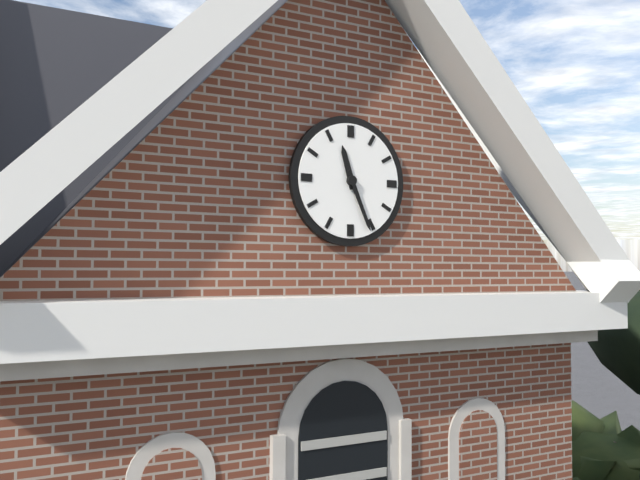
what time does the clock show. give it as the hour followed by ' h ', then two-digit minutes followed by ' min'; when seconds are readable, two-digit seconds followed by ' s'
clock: 11 h 26 min
